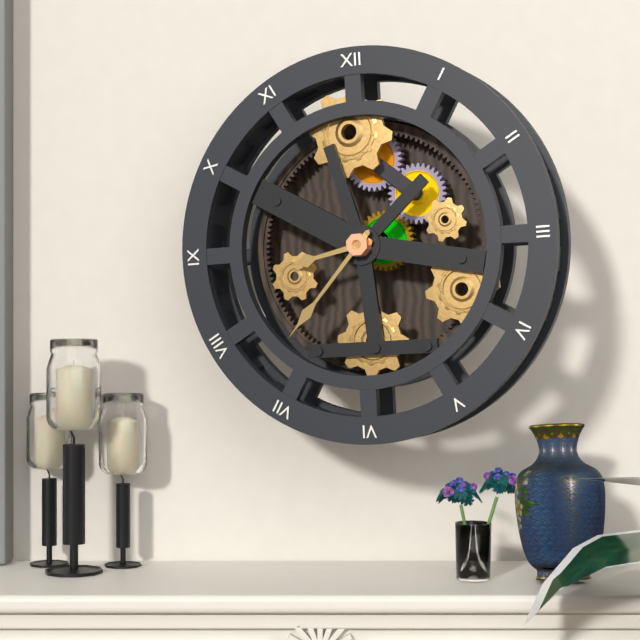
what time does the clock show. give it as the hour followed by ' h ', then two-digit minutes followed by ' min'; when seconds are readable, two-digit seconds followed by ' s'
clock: 8 h 37 min
